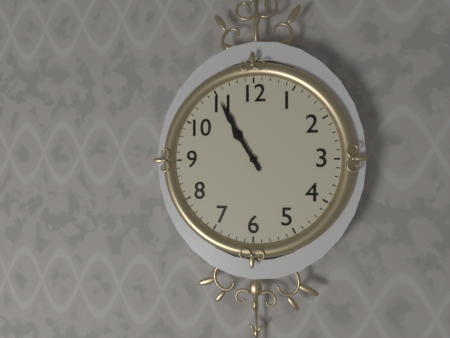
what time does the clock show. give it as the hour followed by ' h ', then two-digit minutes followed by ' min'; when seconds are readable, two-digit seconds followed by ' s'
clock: 10 h 55 min
